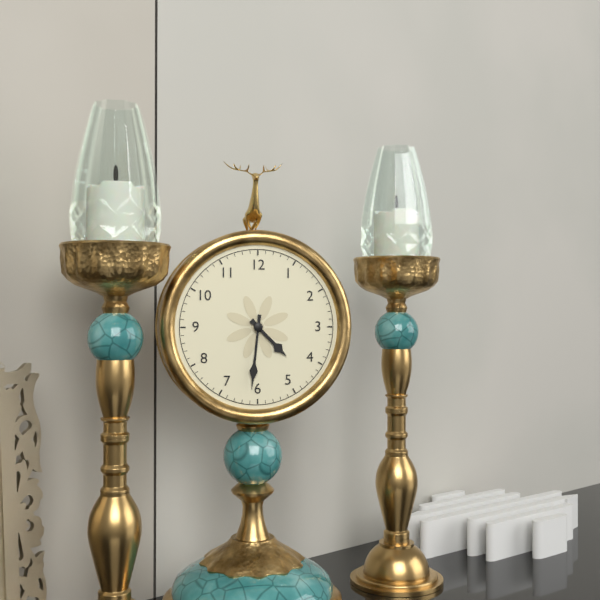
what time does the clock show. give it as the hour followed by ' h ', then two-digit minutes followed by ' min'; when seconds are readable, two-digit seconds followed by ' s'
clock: 4 h 31 min
